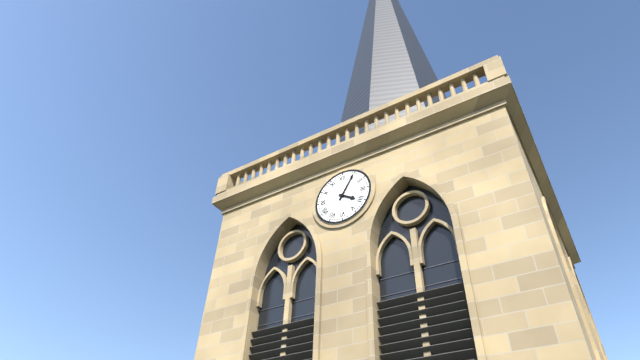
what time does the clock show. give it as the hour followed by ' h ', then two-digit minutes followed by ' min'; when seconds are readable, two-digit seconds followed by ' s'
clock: 4 h 05 min
